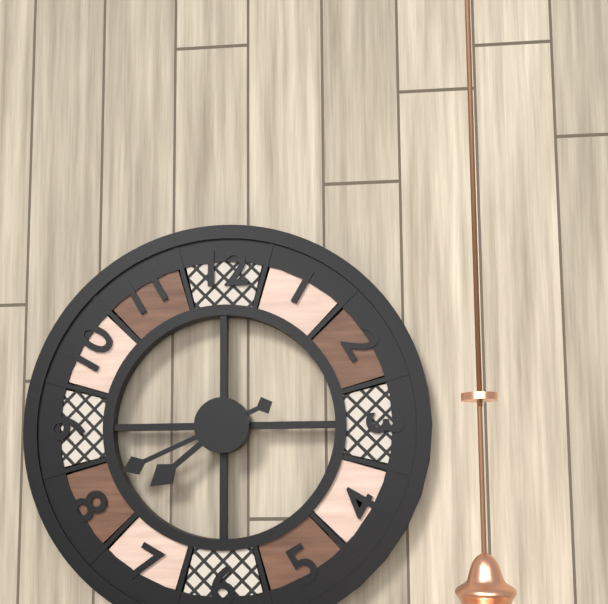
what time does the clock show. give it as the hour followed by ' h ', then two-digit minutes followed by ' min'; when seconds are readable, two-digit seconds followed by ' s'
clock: 7 h 41 min
